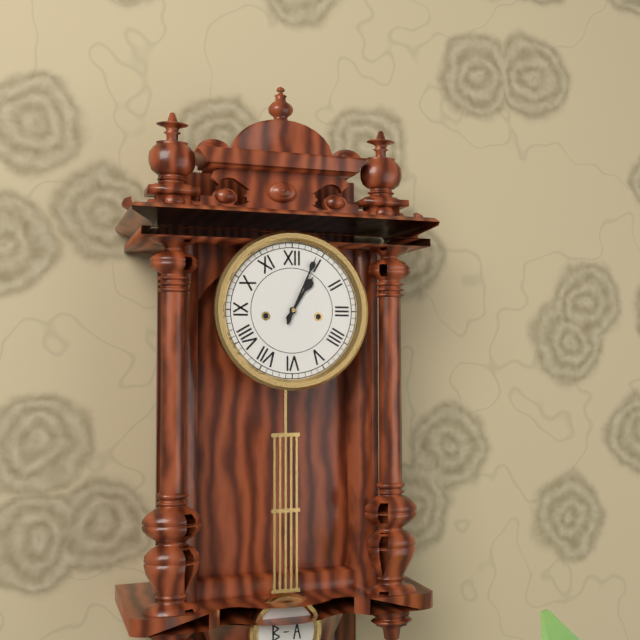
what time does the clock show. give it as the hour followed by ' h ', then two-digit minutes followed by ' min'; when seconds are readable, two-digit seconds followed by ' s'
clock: 1 h 04 min
